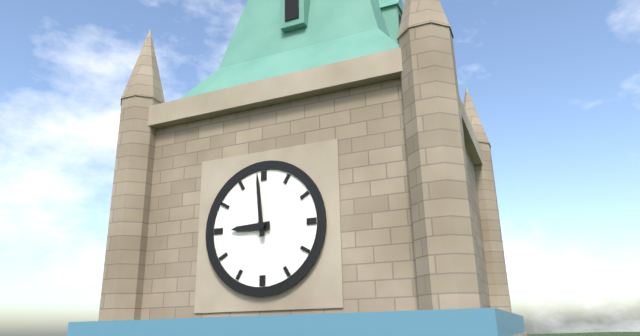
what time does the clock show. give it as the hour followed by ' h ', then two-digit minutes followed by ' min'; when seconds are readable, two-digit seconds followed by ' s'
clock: 8 h 59 min
